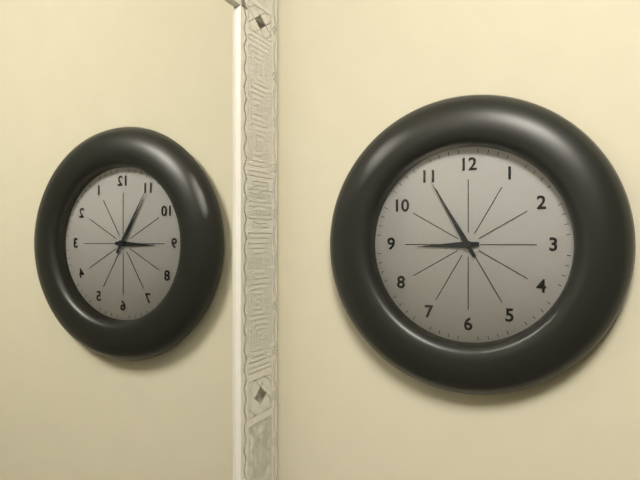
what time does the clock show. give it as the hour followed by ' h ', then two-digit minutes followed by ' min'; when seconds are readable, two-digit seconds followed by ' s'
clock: 8 h 55 min
